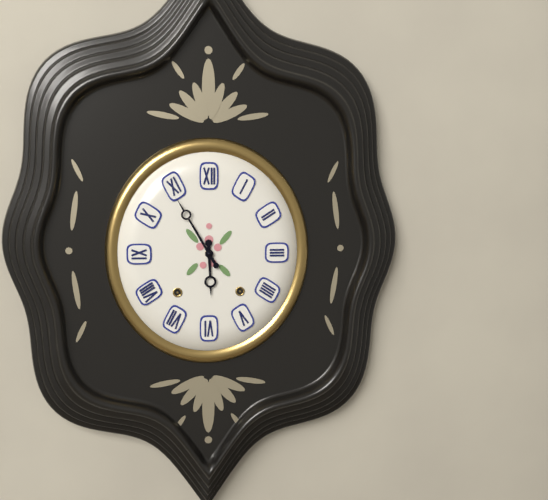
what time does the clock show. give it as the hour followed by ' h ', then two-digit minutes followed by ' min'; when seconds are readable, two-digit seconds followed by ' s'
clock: 5 h 55 min
